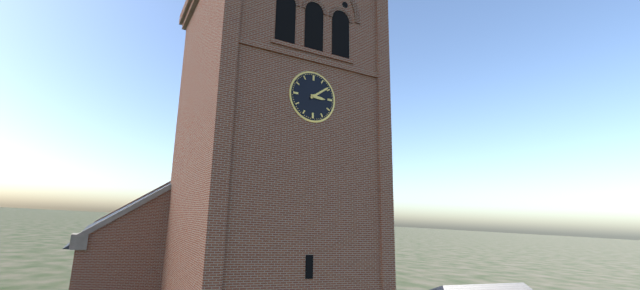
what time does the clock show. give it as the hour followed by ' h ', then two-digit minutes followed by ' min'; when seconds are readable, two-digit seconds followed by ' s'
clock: 3 h 09 min
